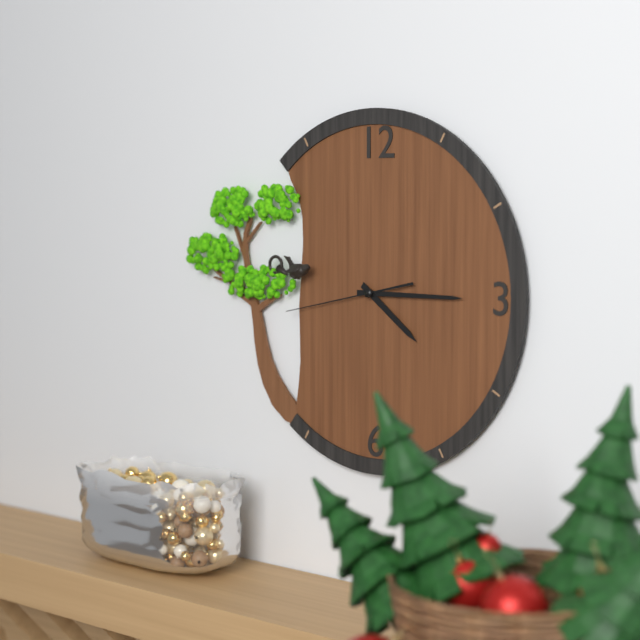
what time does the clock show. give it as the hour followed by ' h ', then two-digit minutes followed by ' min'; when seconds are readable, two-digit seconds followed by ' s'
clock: 4 h 15 min 43 s
